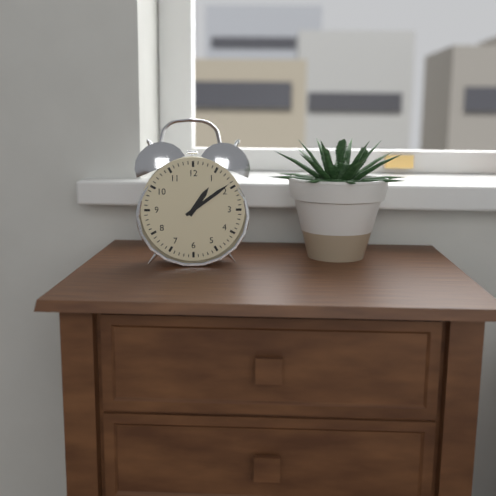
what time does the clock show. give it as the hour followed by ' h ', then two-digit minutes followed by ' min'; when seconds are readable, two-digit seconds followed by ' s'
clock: 1 h 09 min
